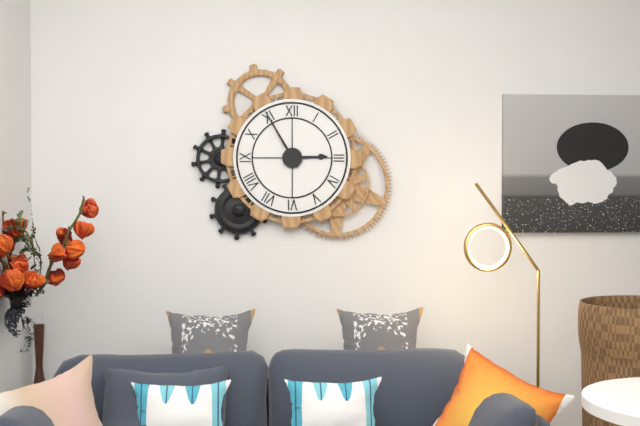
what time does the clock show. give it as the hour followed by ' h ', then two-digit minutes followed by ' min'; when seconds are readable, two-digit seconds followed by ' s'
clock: 2 h 55 min
